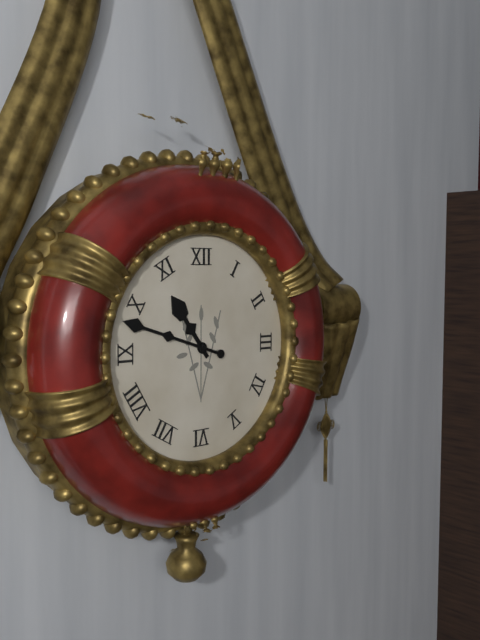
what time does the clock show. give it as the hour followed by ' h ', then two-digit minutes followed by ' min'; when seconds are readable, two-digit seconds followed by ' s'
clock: 10 h 48 min
